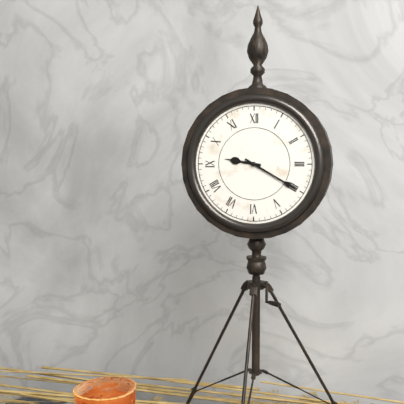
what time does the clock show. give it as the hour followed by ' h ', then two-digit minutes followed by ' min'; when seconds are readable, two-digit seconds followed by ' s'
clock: 9 h 20 min
